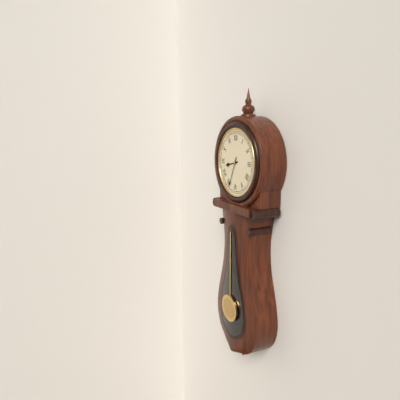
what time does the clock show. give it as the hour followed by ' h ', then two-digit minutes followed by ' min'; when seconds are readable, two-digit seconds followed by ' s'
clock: 8 h 34 min
